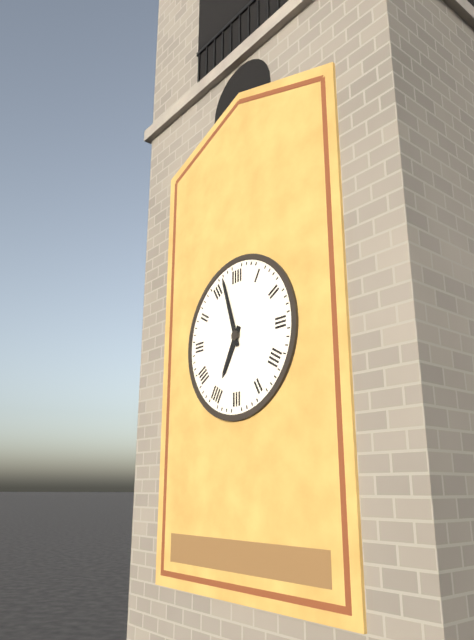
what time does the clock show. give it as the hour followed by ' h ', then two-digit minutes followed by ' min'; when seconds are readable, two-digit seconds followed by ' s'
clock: 6 h 57 min
